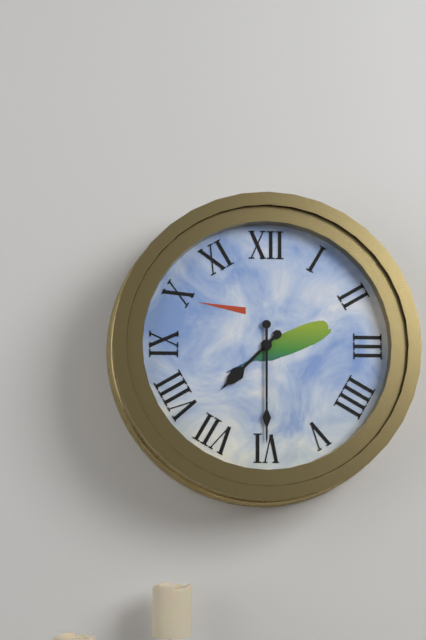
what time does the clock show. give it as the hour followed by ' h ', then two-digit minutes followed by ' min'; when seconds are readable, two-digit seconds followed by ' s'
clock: 7 h 30 min
